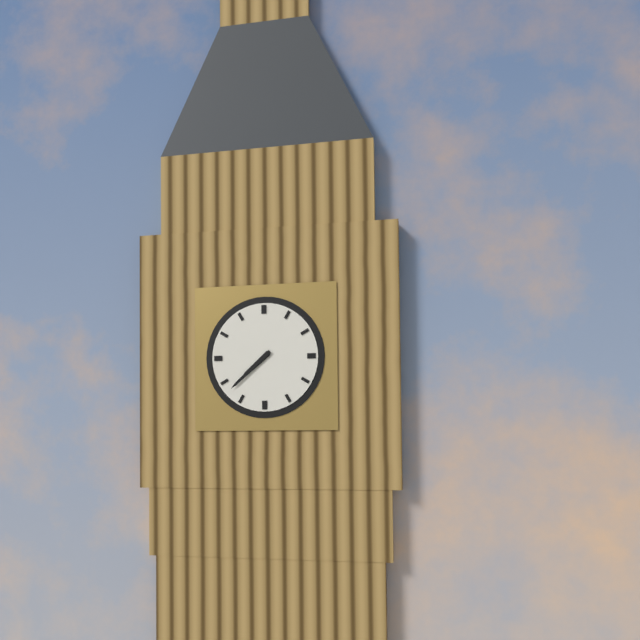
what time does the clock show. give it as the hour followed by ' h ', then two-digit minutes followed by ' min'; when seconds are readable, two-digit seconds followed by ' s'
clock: 7 h 38 min
